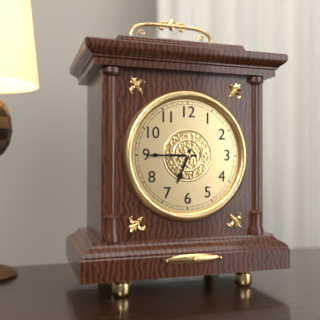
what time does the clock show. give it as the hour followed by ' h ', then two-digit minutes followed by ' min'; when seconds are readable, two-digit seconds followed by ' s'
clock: 6 h 45 min
